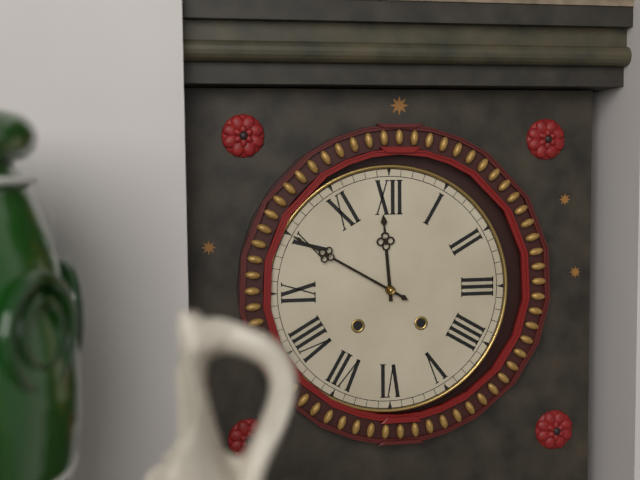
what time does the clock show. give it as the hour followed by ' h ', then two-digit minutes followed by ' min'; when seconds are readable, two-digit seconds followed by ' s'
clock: 11 h 50 min
